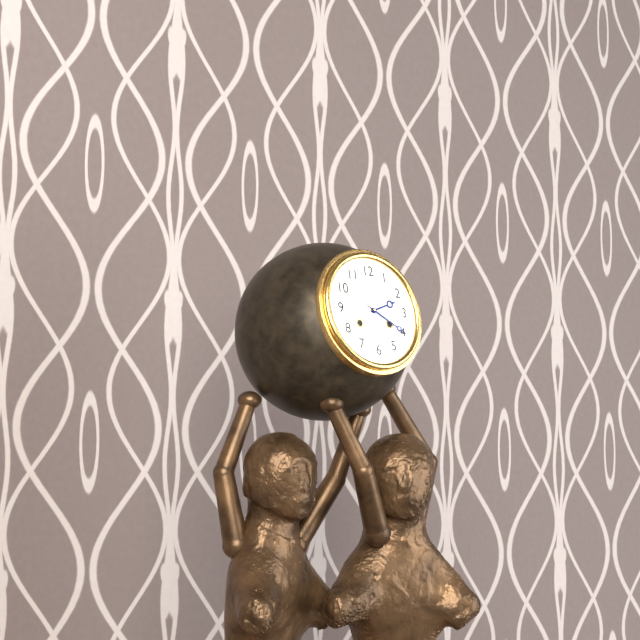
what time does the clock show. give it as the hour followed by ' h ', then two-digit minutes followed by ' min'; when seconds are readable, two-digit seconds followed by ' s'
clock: 2 h 20 min
